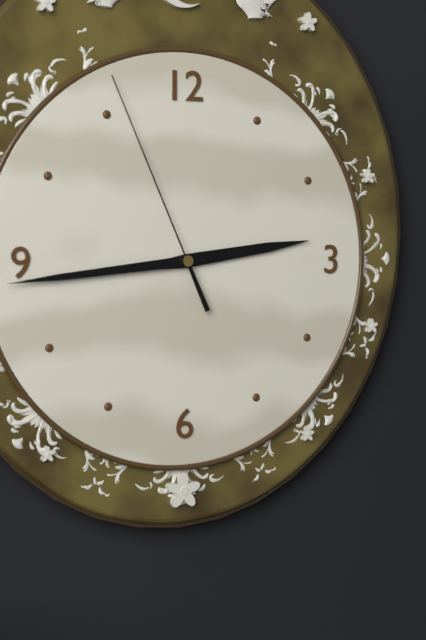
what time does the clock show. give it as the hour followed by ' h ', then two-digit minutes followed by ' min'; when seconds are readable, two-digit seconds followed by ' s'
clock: 2 h 44 min 56 s
